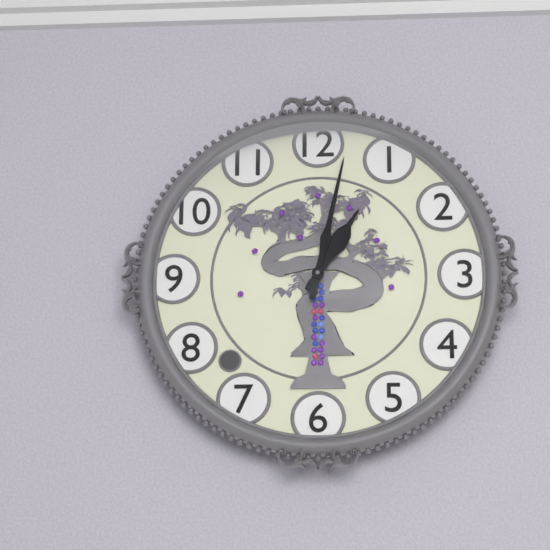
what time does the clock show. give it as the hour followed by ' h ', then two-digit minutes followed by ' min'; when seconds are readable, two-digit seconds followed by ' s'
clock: 1 h 02 min
